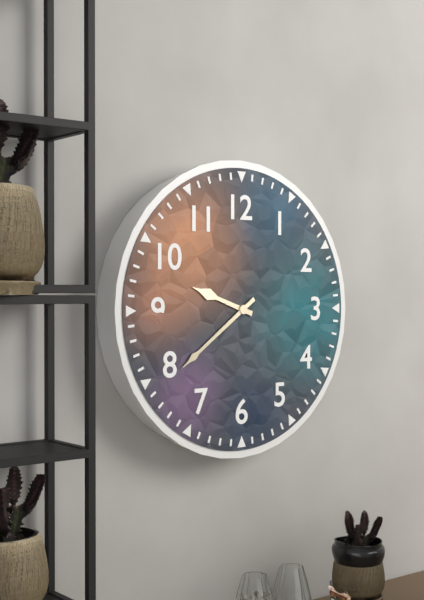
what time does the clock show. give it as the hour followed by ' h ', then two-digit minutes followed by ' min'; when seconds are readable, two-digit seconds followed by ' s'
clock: 9 h 39 min
